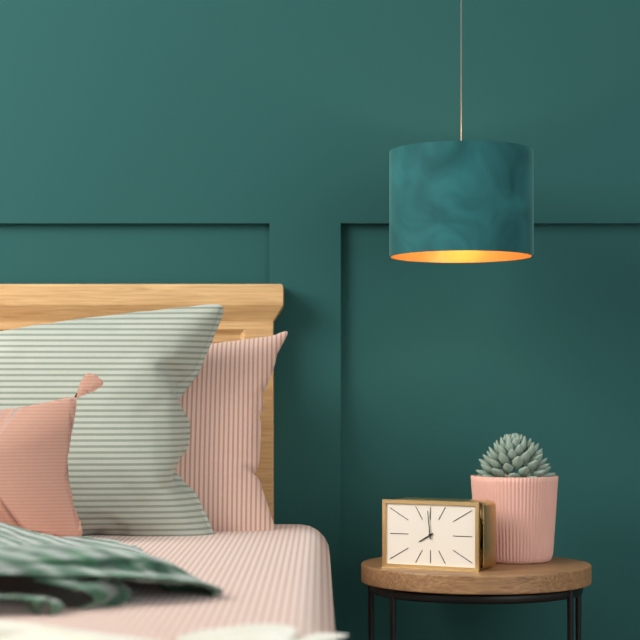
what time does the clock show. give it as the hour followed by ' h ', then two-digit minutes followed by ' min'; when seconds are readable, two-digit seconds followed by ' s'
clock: 7 h 59 min
